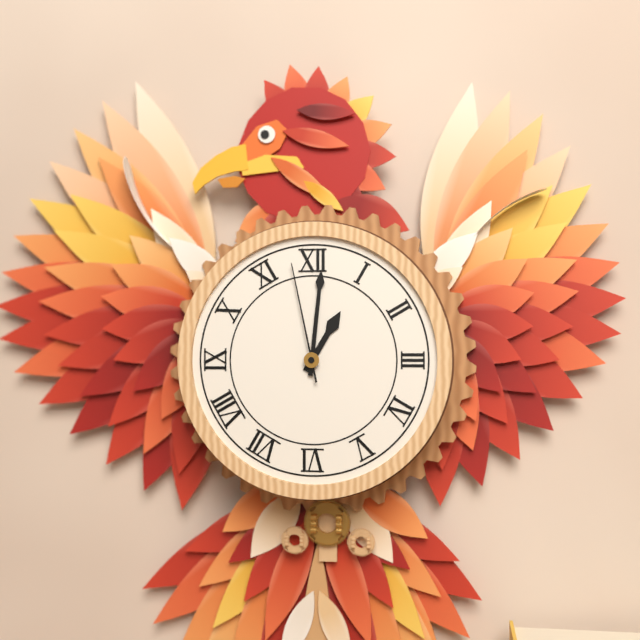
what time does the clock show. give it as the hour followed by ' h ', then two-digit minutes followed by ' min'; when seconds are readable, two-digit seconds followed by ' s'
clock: 1 h 01 min 58 s
